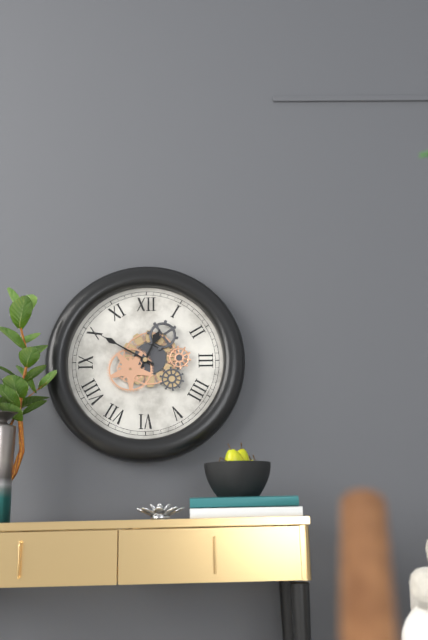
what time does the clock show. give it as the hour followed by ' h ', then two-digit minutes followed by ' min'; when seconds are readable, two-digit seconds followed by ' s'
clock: 12 h 50 min
